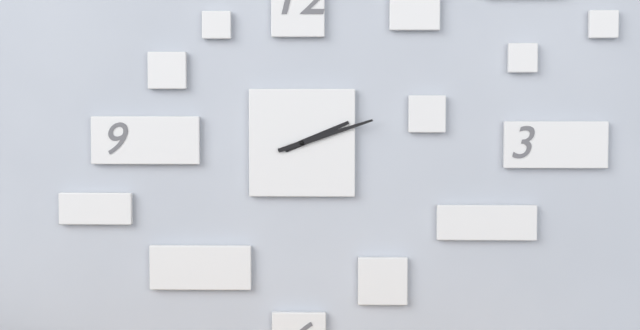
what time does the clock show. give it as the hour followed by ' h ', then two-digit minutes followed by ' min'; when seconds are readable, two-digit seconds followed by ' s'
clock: 2 h 12 min
